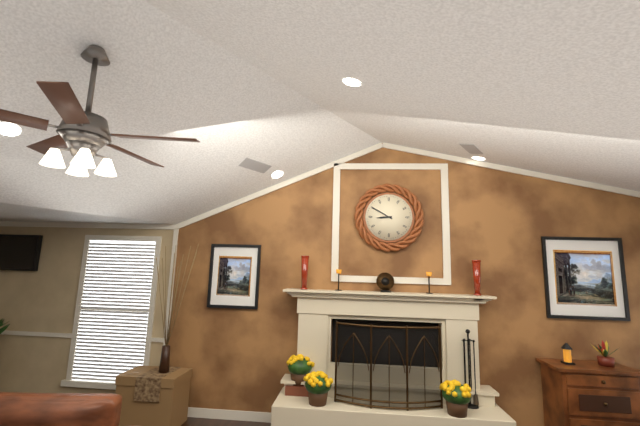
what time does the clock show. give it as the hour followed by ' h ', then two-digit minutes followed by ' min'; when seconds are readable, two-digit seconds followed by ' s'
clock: 8 h 50 min
